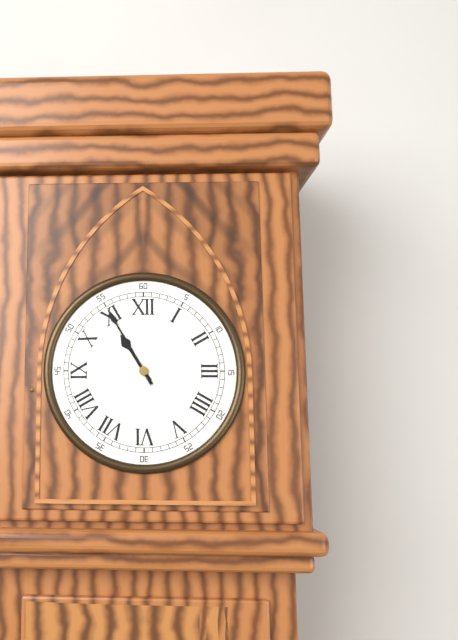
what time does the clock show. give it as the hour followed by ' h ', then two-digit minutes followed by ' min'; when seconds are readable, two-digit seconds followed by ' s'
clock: 10 h 55 min
